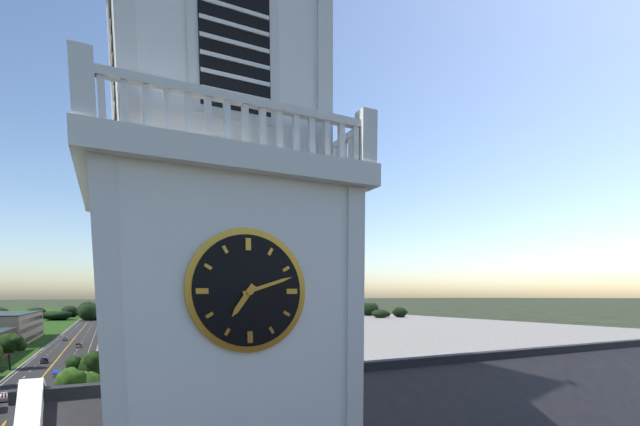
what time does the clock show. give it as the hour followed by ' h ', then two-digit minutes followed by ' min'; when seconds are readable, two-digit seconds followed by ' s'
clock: 7 h 12 min
